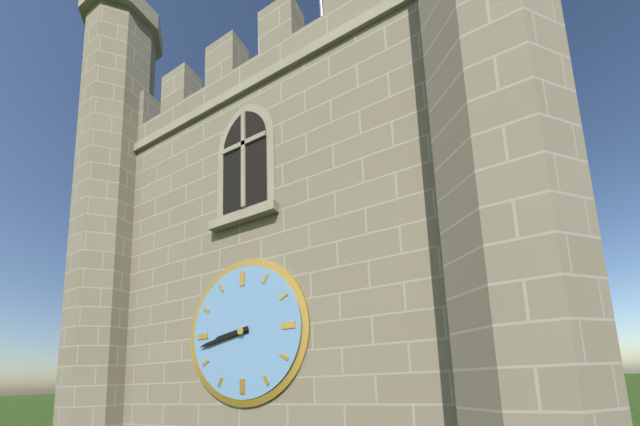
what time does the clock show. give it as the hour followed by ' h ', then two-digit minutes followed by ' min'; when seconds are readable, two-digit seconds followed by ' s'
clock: 8 h 43 min
